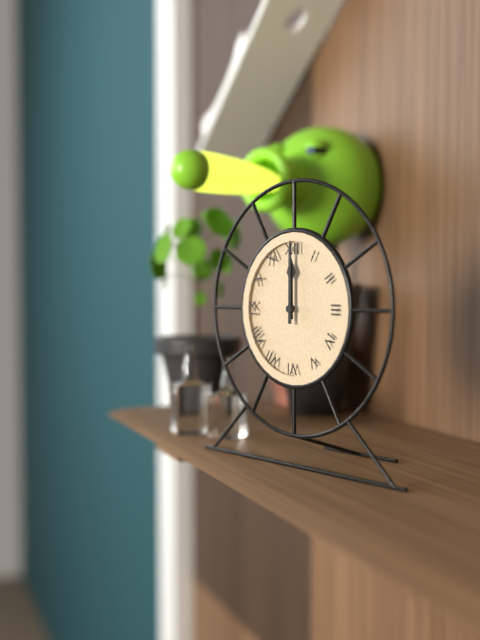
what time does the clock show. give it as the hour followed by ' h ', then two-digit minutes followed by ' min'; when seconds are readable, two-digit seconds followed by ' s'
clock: 12 h 00 min
